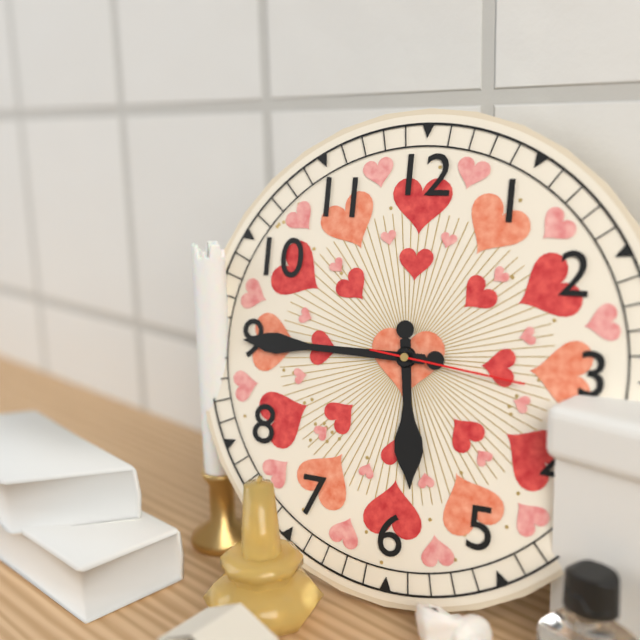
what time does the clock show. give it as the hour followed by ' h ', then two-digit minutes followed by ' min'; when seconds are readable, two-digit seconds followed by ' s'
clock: 5 h 45 min 16 s
